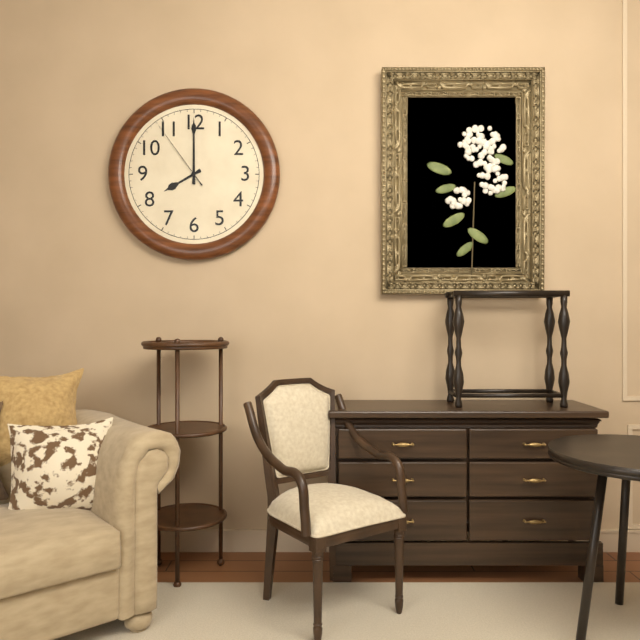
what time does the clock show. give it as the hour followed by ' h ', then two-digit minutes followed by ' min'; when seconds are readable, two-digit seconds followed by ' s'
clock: 8 h 00 min 54 s
